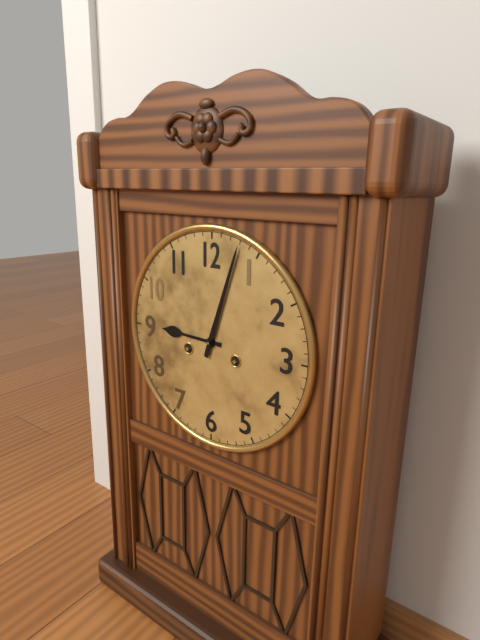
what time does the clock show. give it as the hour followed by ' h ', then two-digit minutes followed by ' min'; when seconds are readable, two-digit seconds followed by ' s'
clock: 9 h 03 min
